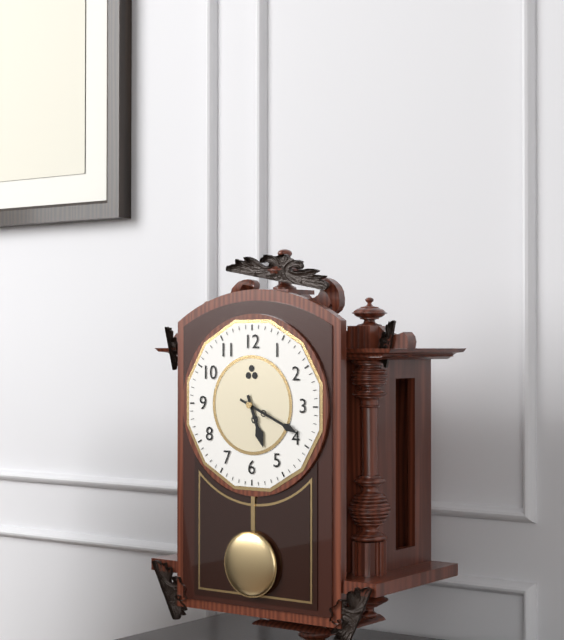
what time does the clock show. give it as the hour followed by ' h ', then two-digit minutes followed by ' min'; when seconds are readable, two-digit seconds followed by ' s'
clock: 5 h 19 min
